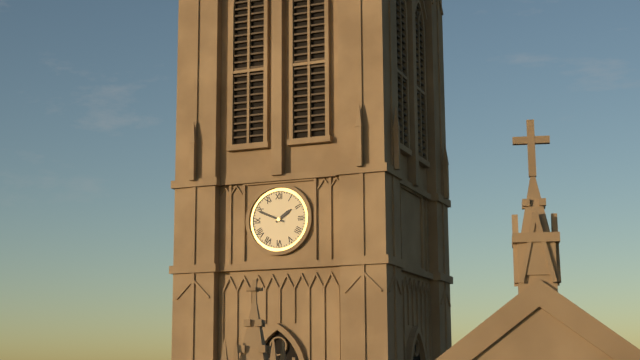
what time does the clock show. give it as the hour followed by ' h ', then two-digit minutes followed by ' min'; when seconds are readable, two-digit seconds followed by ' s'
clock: 1 h 49 min
